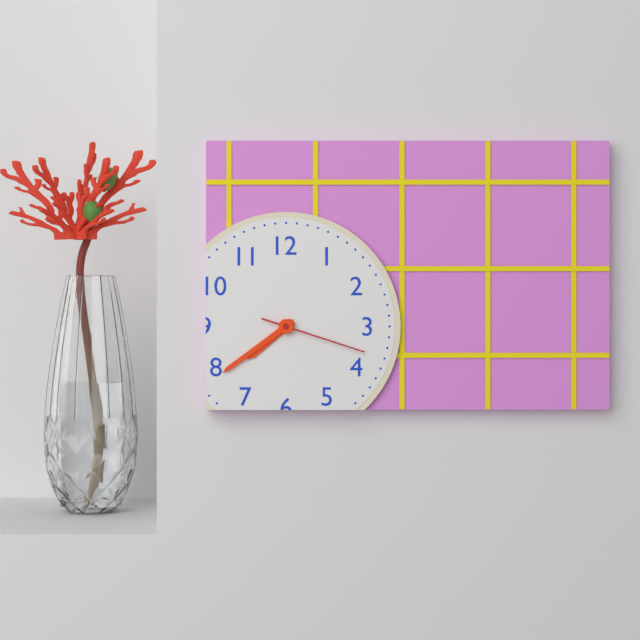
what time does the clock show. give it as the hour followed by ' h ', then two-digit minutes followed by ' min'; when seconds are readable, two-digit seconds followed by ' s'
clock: 7 h 39 min 18 s
